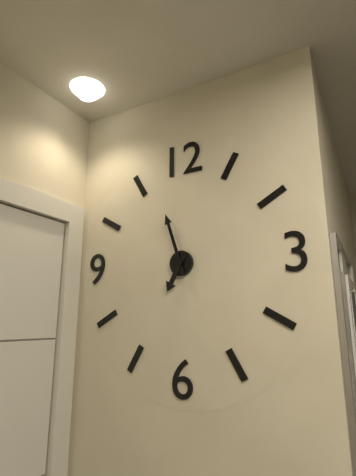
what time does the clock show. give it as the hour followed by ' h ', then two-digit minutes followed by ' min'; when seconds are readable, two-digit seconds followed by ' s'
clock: 6 h 57 min
